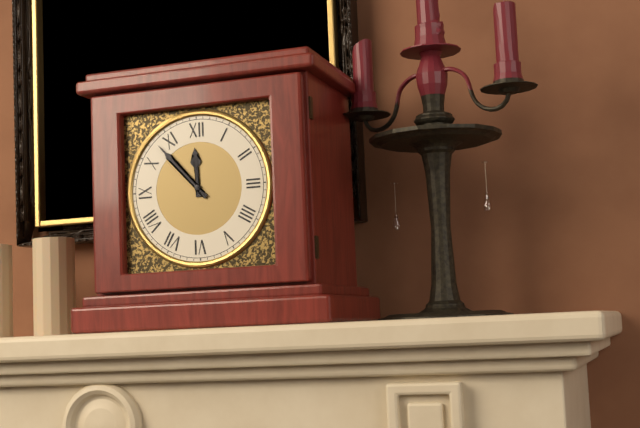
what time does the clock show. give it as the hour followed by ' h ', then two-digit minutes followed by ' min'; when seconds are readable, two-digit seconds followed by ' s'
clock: 11 h 53 min
